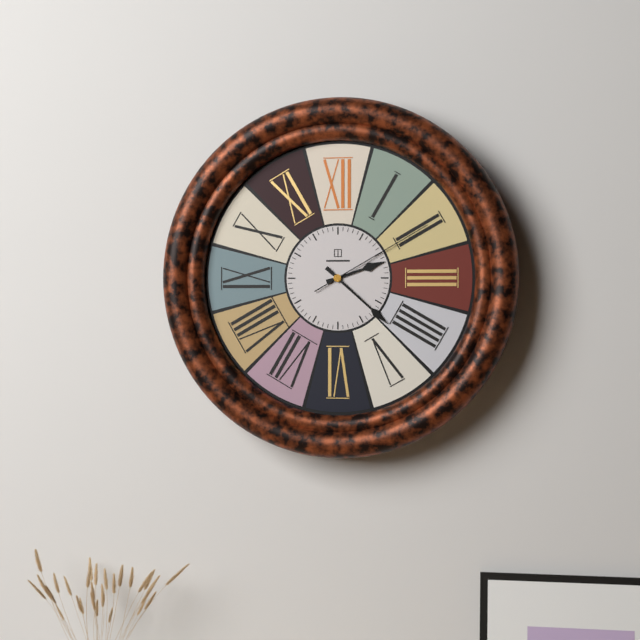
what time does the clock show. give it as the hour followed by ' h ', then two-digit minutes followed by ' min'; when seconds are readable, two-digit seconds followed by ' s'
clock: 2 h 22 min 10 s
